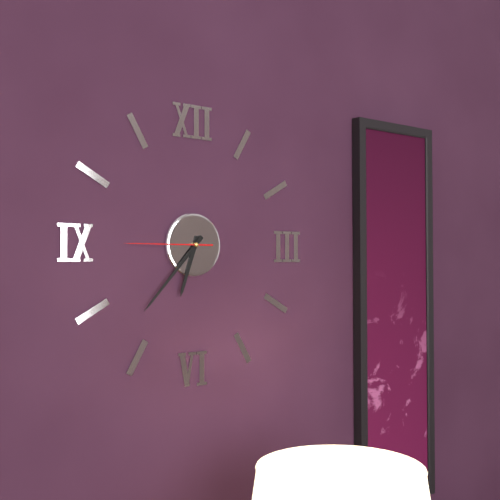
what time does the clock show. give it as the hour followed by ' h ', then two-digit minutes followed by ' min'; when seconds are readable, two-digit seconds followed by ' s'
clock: 6 h 37 min 45 s
